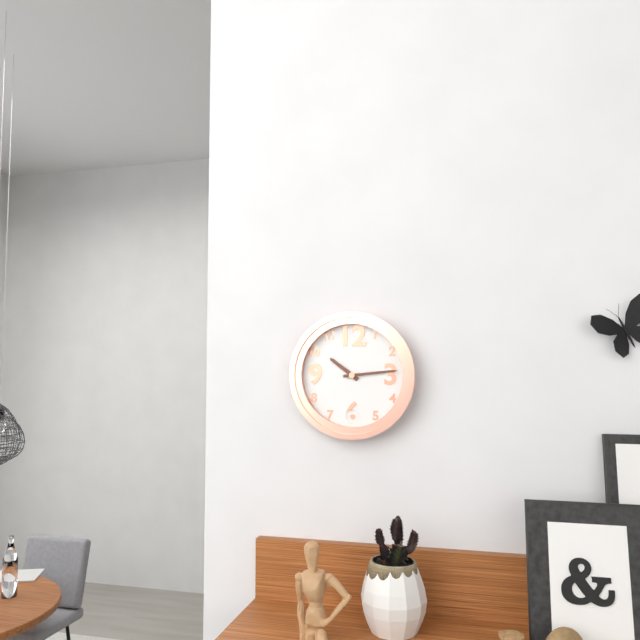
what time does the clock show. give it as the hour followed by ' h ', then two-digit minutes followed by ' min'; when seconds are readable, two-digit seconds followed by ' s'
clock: 10 h 14 min
